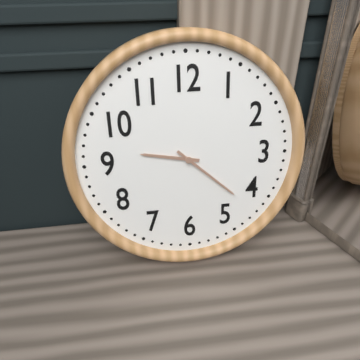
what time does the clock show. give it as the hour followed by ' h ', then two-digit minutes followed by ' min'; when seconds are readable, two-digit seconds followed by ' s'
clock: 9 h 22 min
